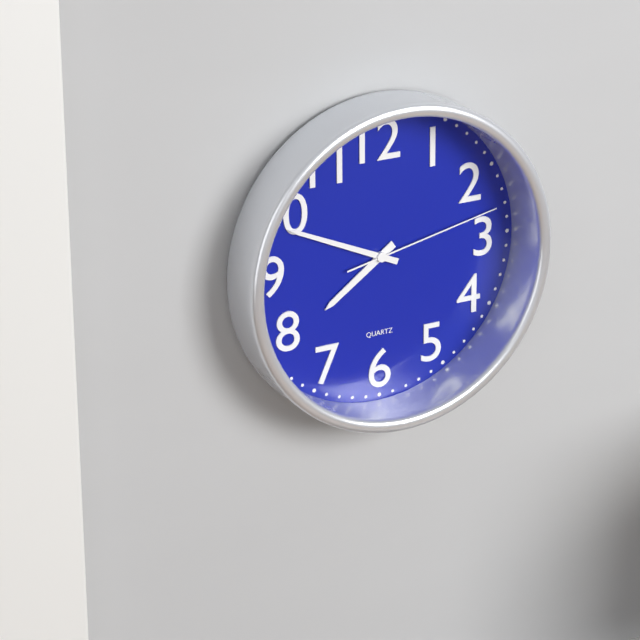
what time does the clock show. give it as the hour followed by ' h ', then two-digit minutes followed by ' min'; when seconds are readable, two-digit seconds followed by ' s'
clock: 7 h 49 min 13 s
